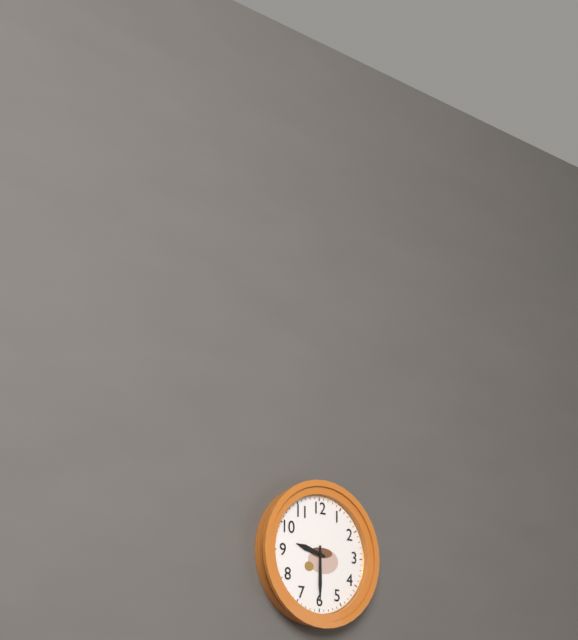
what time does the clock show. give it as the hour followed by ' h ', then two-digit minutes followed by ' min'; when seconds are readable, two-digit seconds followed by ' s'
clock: 9 h 30 min
